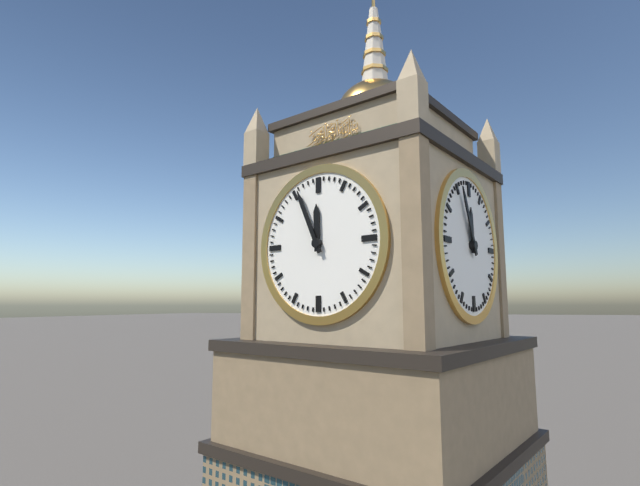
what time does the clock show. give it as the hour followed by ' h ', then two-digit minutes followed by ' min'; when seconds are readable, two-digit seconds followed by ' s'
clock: 11 h 56 min
